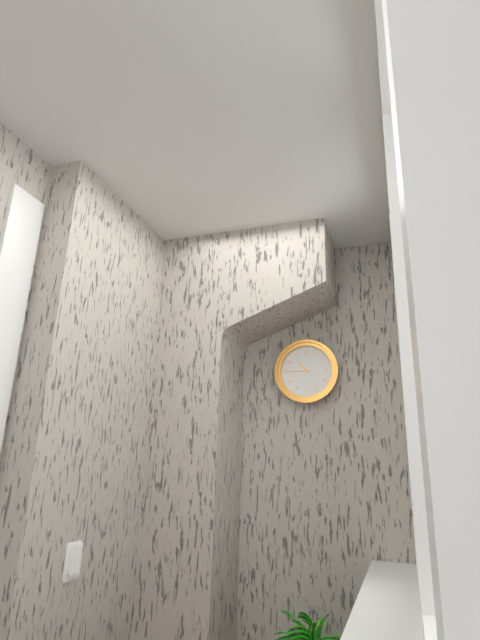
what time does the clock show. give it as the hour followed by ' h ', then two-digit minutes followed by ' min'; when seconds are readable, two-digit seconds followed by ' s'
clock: 10 h 45 min
